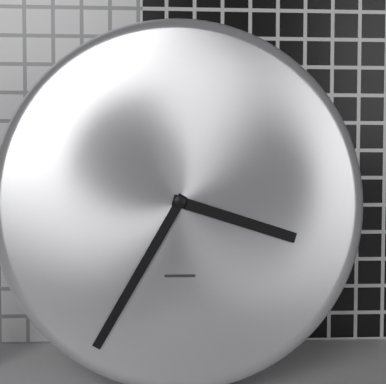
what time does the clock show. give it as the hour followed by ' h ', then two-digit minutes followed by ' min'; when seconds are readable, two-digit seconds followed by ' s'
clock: 3 h 35 min
